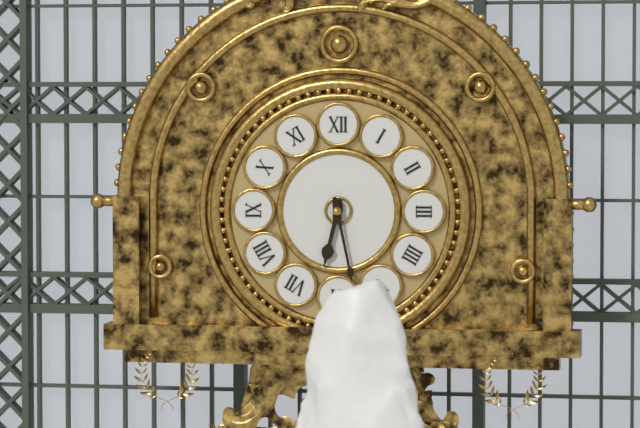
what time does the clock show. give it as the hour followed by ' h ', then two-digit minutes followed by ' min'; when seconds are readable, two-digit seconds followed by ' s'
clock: 6 h 28 min
